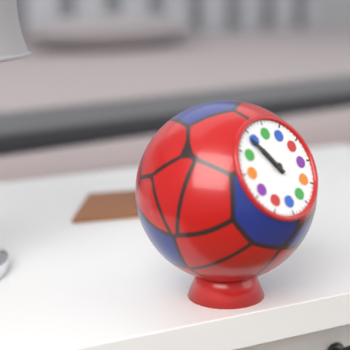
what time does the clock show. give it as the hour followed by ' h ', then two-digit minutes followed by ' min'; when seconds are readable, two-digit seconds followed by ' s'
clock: 10 h 54 min
